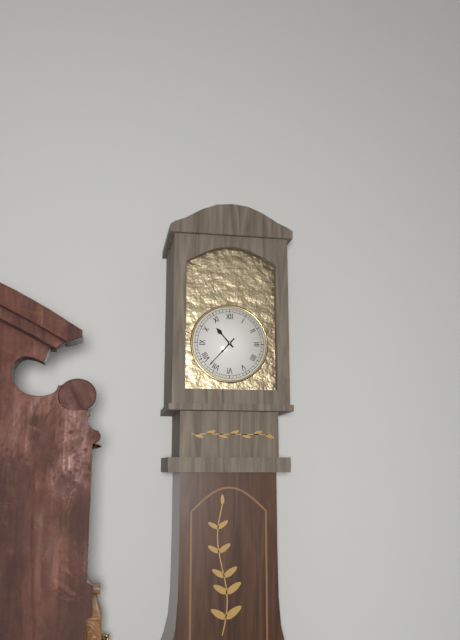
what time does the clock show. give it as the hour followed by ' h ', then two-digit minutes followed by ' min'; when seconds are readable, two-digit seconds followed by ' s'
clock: 10 h 37 min
